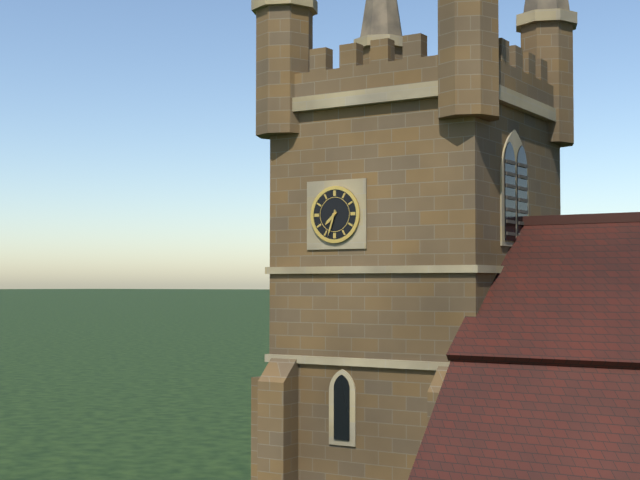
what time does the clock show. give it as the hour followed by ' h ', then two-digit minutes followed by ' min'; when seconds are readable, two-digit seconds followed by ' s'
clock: 7 h 33 min
